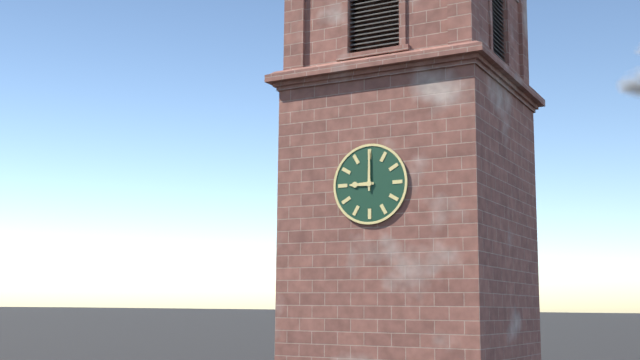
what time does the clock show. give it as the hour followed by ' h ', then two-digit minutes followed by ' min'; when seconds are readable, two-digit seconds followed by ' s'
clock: 9 h 00 min
